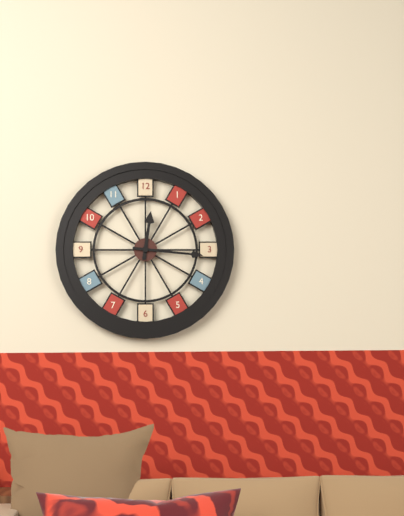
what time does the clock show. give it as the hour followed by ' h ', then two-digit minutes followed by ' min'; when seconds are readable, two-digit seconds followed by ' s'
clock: 12 h 16 min
